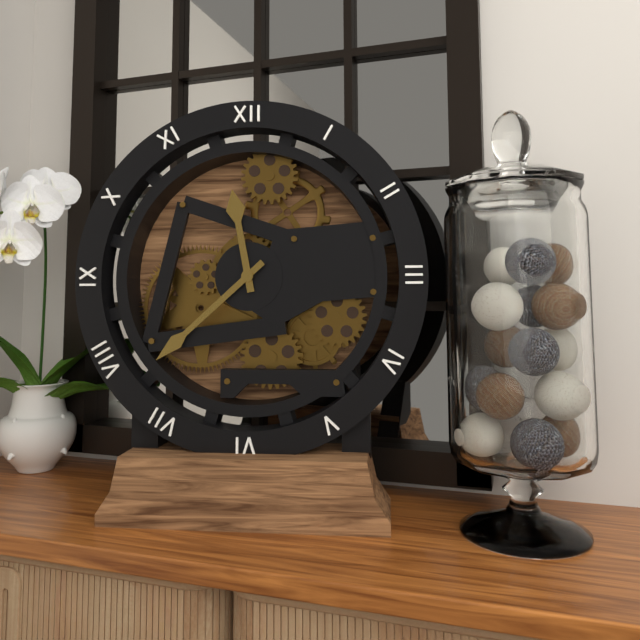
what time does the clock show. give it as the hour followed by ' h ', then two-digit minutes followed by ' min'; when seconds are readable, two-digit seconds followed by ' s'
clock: 11 h 38 min
